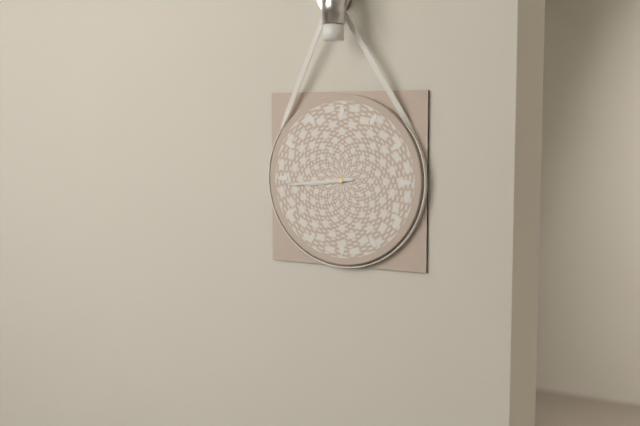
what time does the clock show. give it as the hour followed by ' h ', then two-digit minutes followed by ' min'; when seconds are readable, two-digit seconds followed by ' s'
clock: 8 h 44 min
